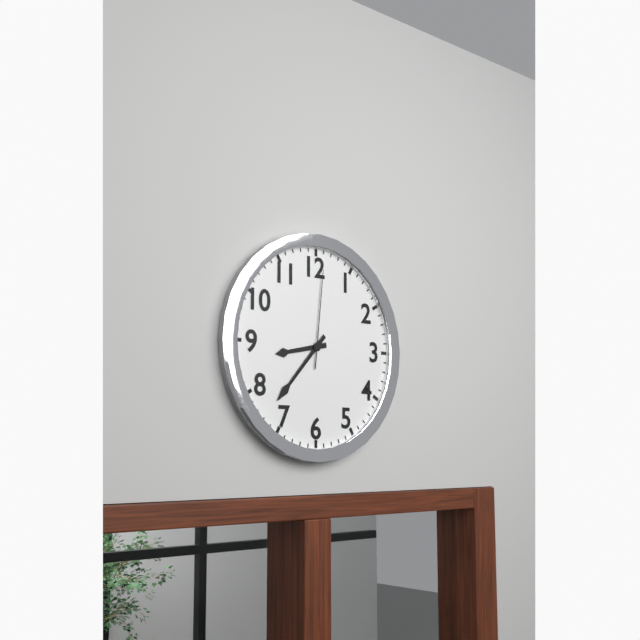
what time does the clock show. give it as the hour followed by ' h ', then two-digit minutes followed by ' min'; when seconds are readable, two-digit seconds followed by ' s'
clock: 8 h 37 min 01 s
